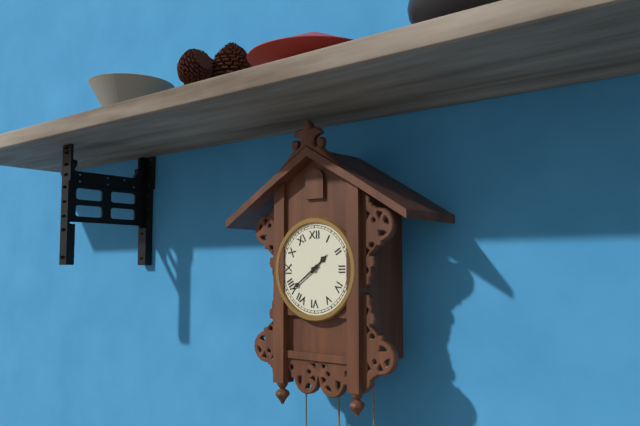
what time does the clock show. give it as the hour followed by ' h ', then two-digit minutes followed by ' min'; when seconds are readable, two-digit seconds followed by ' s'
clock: 1 h 39 min
